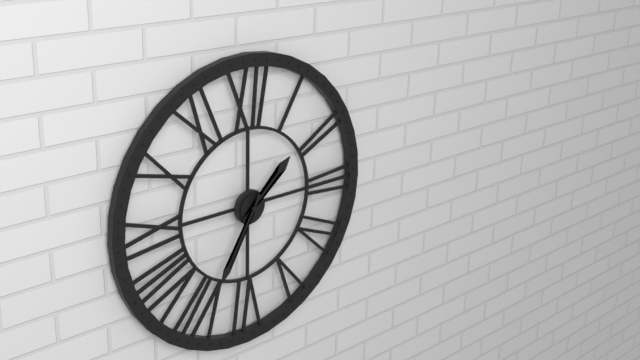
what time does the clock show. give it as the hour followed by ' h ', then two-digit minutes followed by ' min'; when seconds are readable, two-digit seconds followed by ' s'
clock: 1 h 35 min
